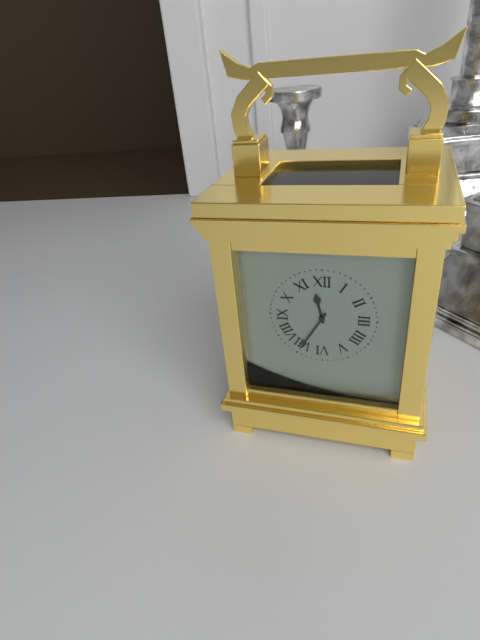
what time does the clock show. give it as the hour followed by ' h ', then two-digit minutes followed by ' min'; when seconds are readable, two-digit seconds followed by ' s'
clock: 11 h 35 min
